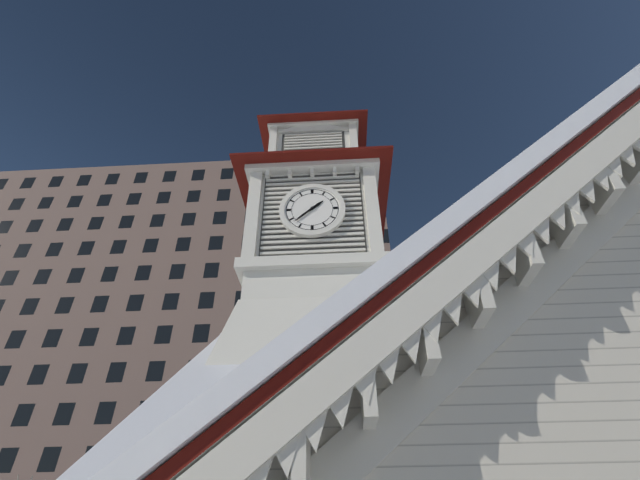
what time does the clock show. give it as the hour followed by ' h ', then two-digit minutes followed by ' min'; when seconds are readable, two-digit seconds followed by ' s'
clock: 1 h 38 min
